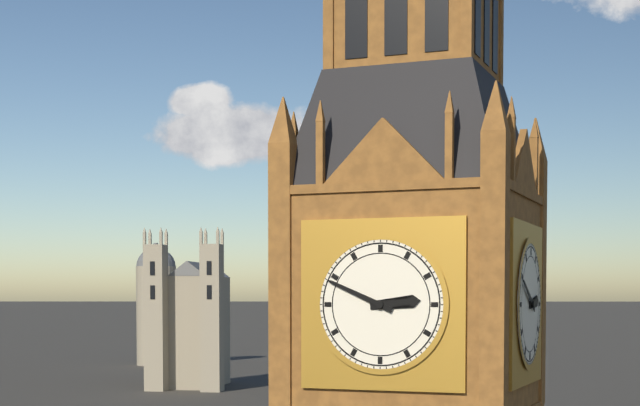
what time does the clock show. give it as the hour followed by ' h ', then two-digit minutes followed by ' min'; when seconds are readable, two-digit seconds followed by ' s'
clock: 2 h 49 min
